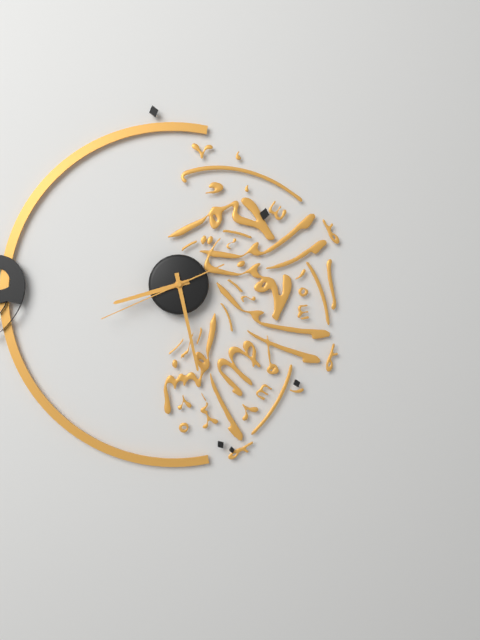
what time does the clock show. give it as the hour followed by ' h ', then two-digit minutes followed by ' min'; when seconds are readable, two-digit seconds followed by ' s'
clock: 8 h 28 min 41 s
